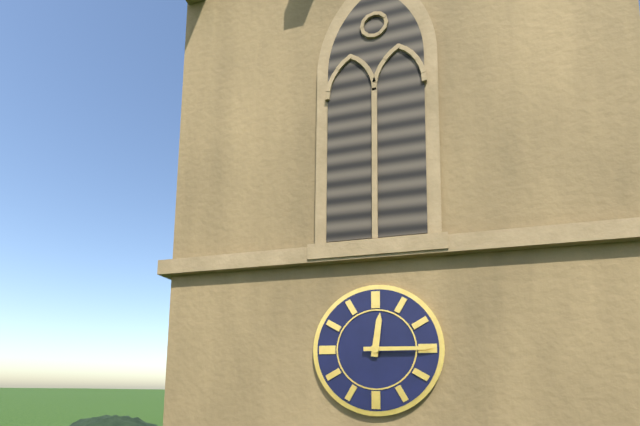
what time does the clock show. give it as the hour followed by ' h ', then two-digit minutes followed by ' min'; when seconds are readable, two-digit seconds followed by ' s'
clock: 12 h 15 min
